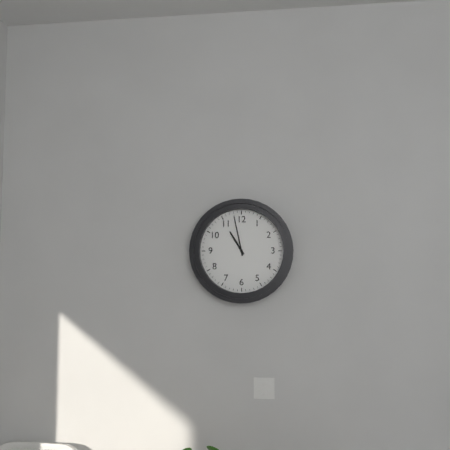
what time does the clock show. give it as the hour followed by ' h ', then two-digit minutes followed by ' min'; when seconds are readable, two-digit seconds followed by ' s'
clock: 10 h 58 min
